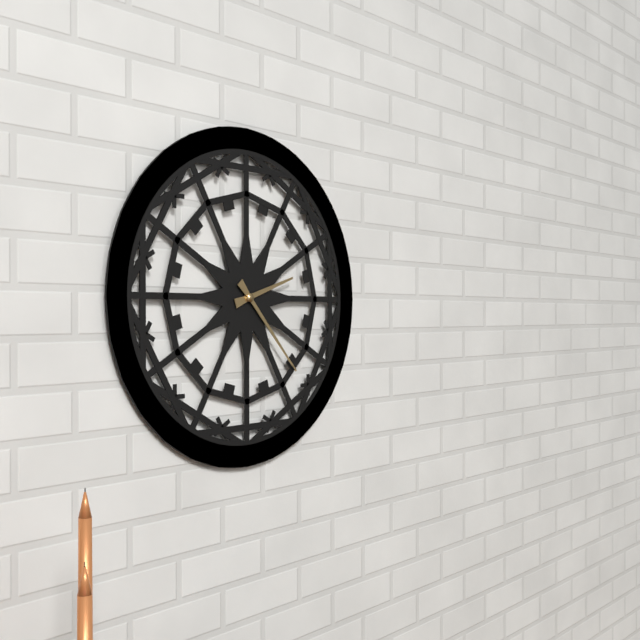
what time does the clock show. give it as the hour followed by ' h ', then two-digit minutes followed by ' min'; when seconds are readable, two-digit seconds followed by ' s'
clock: 2 h 23 min
